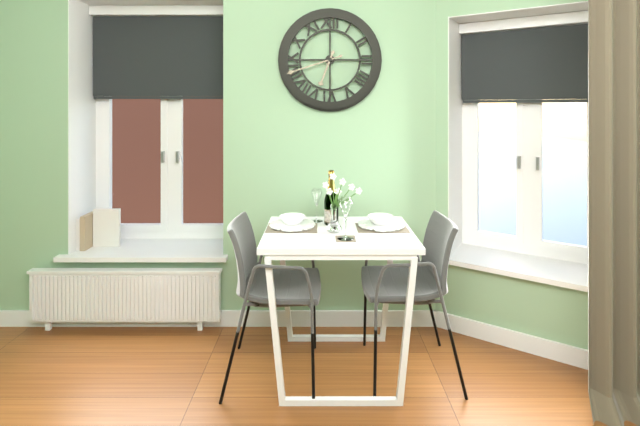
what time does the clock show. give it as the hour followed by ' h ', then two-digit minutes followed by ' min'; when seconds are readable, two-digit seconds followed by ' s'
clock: 6 h 42 min
